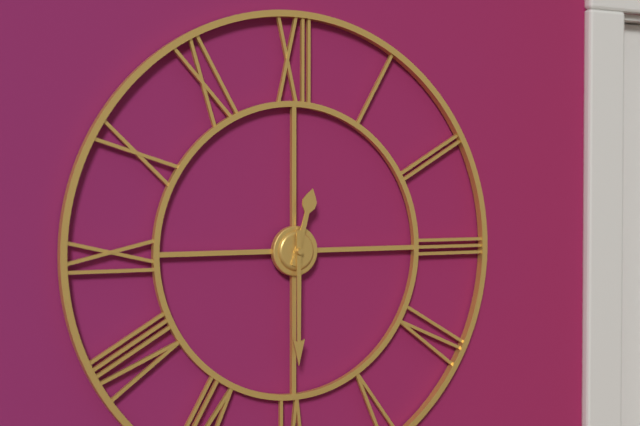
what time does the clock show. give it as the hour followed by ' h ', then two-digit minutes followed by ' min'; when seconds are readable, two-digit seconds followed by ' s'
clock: 12 h 30 min
